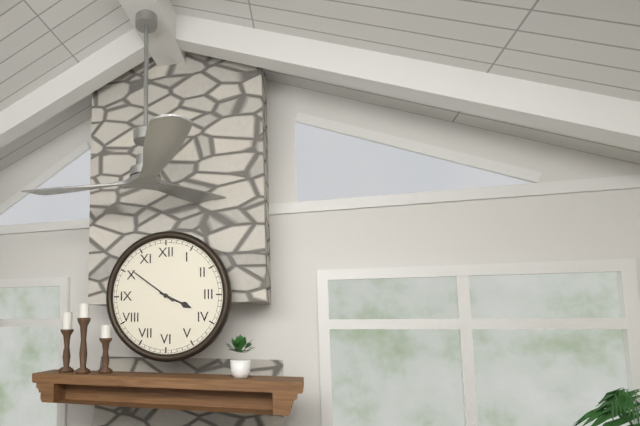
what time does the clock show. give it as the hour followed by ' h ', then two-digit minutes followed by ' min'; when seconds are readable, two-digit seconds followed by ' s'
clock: 3 h 51 min
